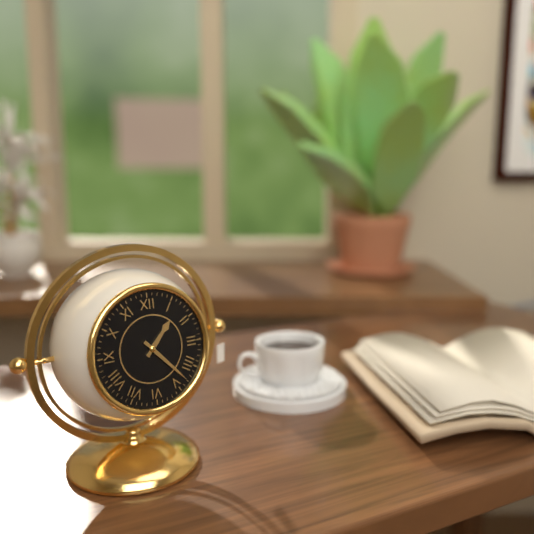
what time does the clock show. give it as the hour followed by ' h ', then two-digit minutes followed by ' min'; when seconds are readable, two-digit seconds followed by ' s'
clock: 1 h 23 min
